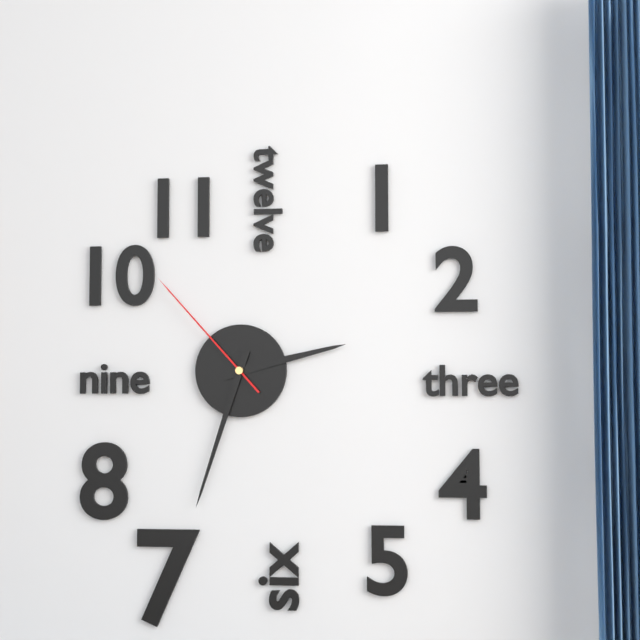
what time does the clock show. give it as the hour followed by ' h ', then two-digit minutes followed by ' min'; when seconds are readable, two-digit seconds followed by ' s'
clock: 2 h 33 min 53 s
